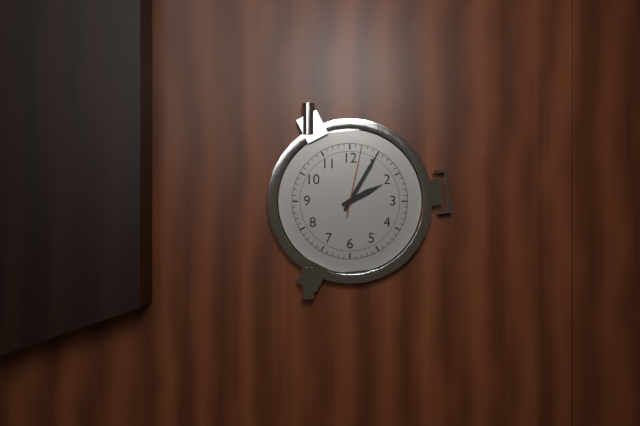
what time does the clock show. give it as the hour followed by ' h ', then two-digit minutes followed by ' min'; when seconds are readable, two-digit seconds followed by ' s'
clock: 2 h 05 min 02 s
